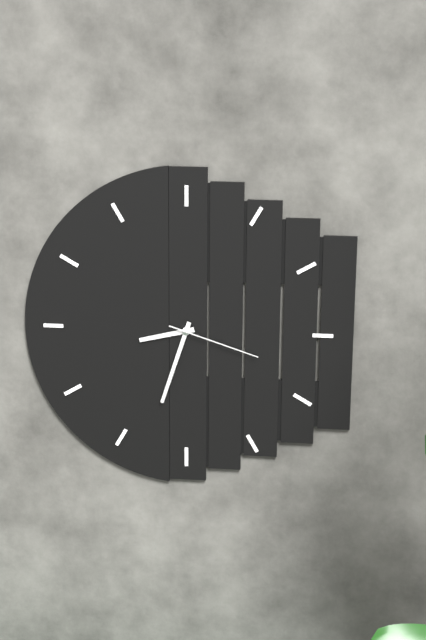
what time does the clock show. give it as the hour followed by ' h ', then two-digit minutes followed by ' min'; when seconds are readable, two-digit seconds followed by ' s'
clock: 8 h 33 min 18 s
